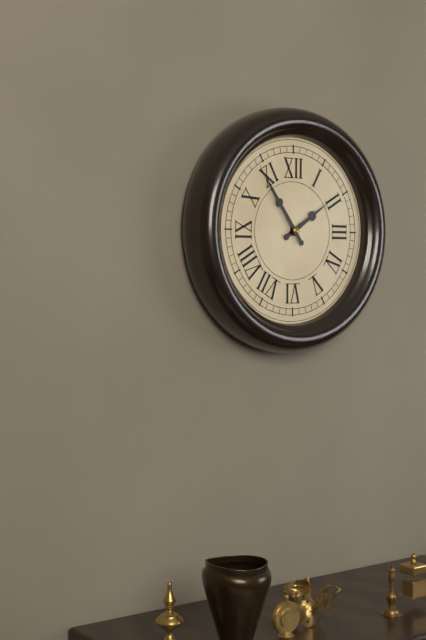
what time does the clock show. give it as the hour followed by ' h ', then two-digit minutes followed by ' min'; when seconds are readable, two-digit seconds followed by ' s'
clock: 1 h 54 min
